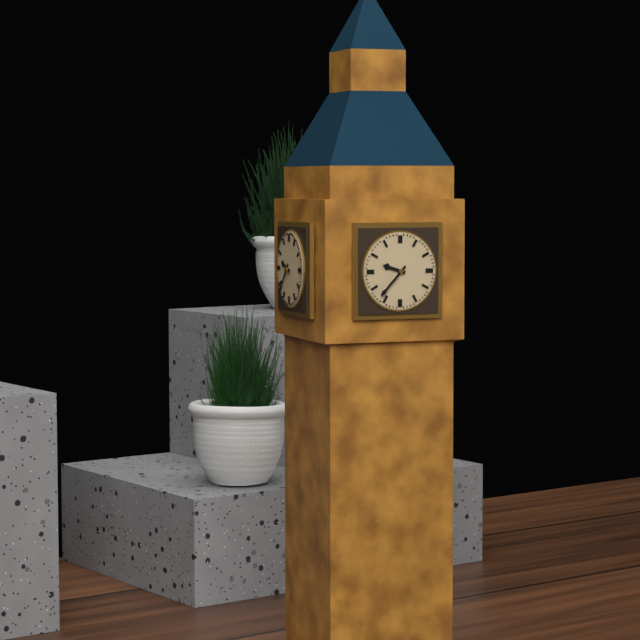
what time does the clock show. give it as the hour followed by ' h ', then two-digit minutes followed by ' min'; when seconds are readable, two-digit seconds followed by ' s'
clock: 9 h 37 min
